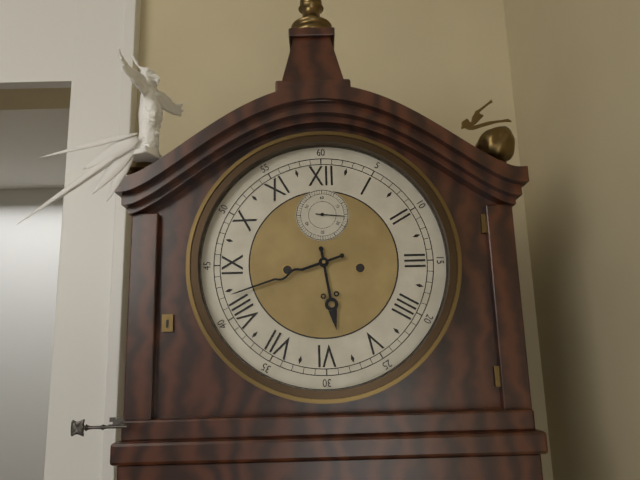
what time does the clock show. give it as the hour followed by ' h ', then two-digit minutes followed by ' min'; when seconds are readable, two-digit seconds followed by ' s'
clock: 5 h 42 min
